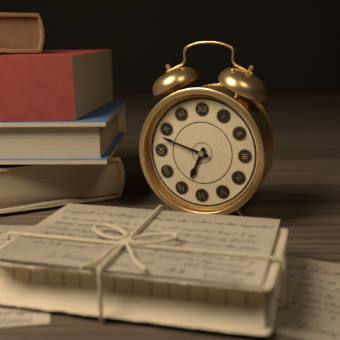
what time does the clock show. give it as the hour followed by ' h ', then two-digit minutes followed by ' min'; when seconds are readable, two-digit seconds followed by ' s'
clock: 6 h 48 min
